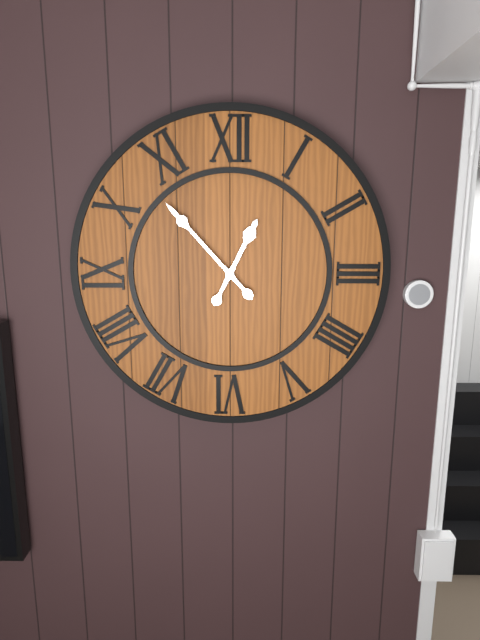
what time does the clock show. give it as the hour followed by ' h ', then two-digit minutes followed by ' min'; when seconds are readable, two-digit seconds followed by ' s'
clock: 12 h 53 min
